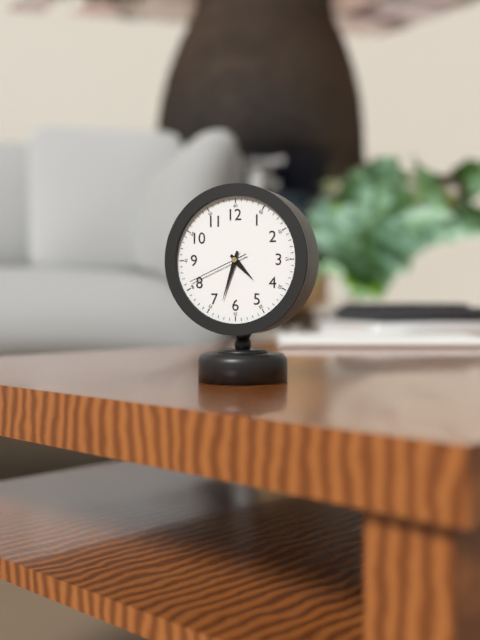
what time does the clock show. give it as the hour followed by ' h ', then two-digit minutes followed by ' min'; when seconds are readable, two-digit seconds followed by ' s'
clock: 4 h 33 min 41 s
